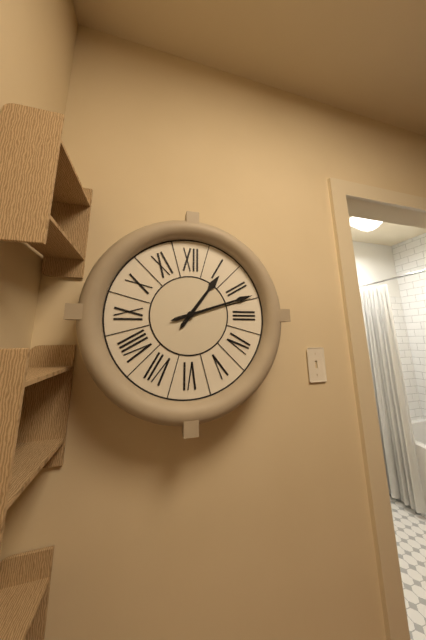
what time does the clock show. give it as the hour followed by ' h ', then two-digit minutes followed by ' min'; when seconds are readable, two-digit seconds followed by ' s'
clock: 1 h 12 min
